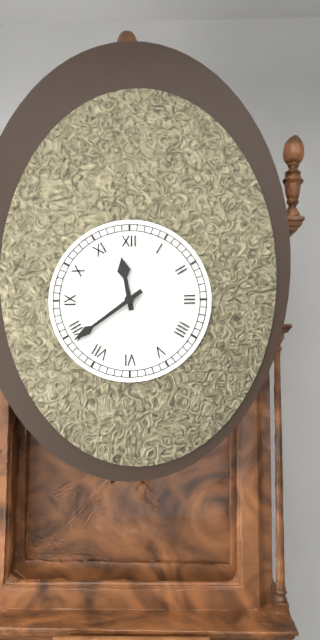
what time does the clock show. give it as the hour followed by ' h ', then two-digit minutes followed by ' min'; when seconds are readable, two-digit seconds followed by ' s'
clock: 11 h 39 min
